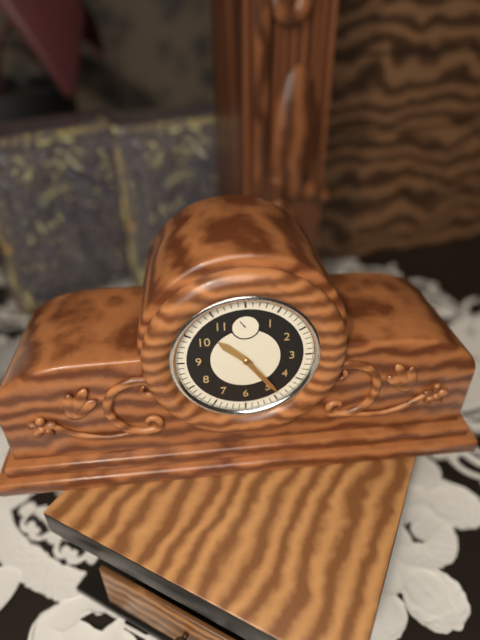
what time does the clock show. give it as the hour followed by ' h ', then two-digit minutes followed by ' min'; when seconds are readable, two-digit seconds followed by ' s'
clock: 10 h 24 min
